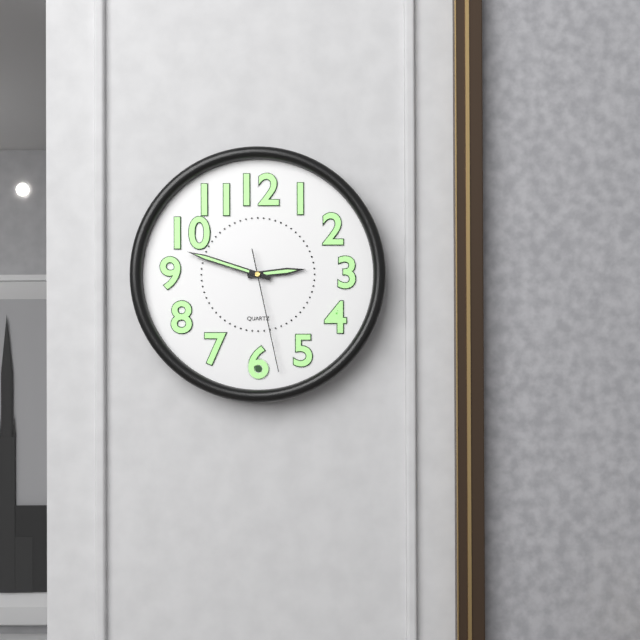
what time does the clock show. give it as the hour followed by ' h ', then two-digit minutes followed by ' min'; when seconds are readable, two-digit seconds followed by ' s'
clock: 2 h 48 min 28 s
